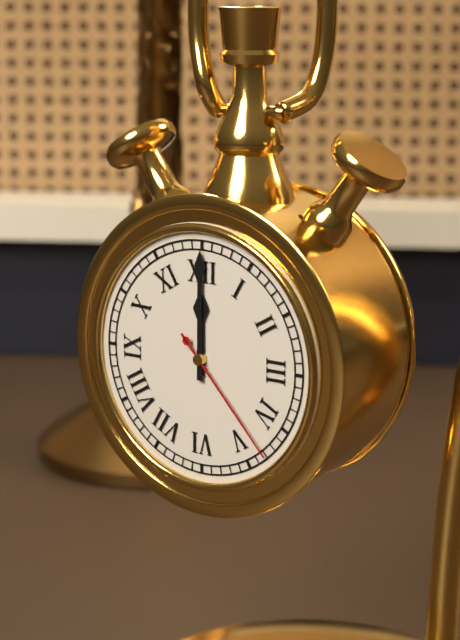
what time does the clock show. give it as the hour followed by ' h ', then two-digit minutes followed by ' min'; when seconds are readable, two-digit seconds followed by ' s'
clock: 12 h 00 min 23 s
